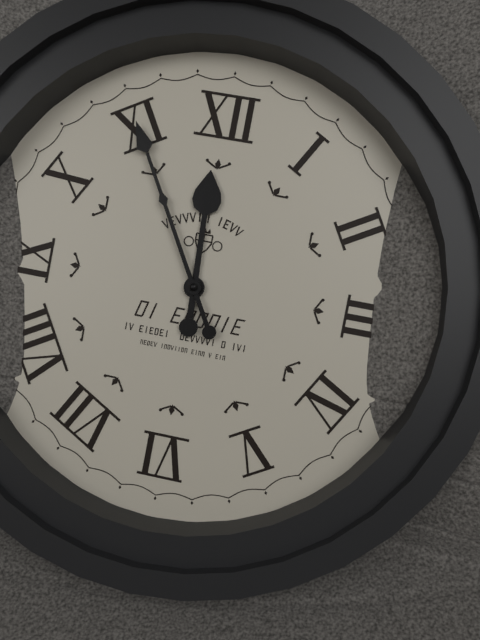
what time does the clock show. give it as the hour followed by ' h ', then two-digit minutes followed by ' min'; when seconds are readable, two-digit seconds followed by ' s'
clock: 11 h 55 min
